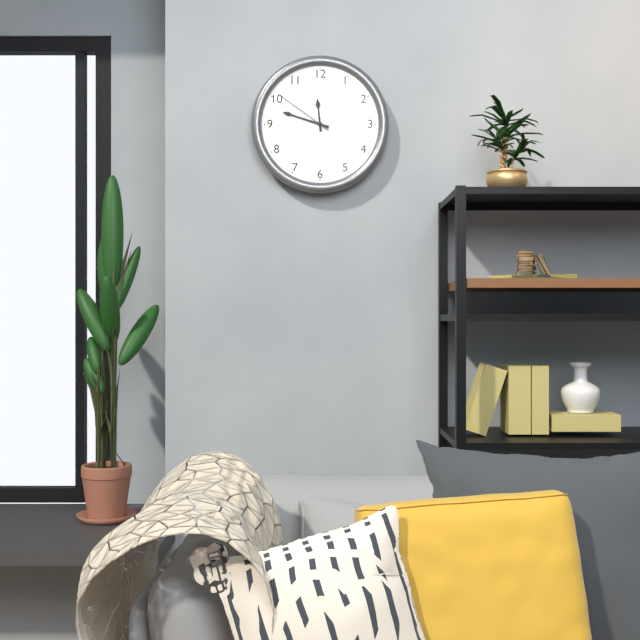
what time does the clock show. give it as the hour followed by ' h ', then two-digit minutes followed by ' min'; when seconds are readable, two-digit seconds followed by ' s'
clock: 11 h 48 min 51 s
